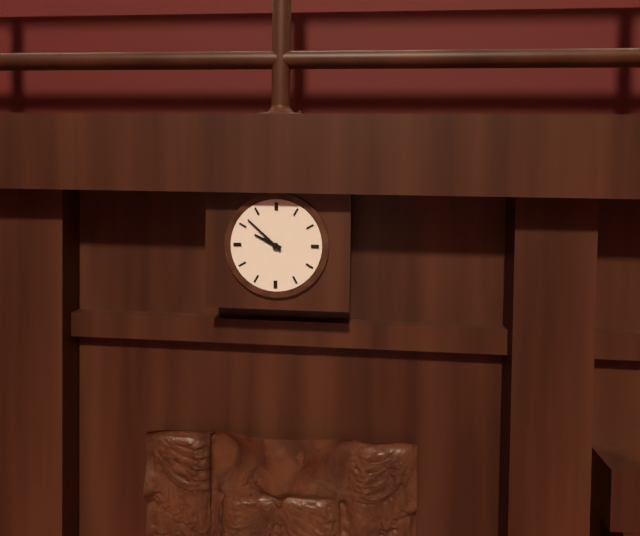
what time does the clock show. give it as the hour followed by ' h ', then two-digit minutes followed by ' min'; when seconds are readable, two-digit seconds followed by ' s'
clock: 9 h 52 min
